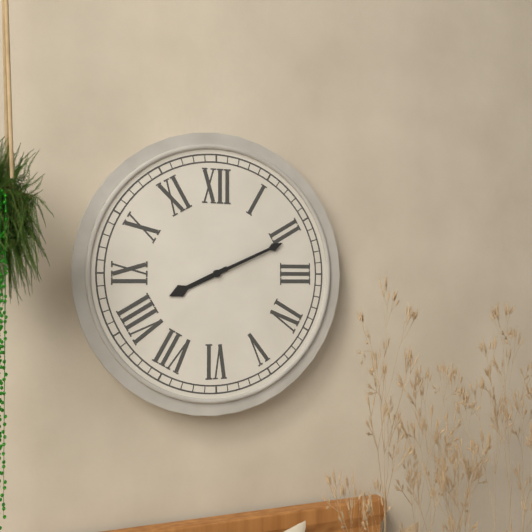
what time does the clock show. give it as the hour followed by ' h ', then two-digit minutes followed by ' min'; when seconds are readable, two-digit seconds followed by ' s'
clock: 8 h 11 min
